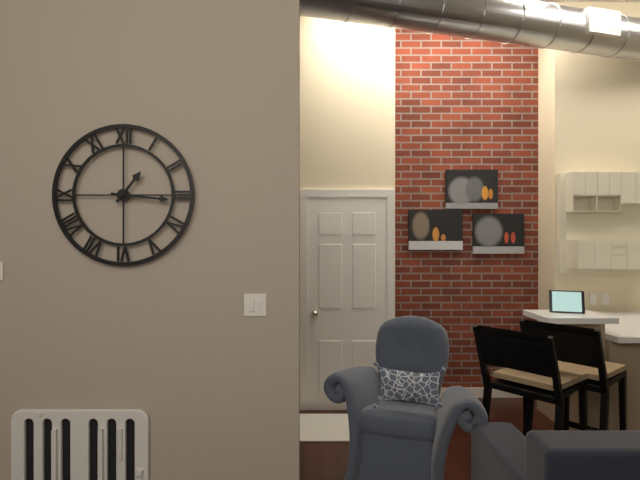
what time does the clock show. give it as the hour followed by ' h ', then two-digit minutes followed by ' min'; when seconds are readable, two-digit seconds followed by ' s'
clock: 1 h 16 min
